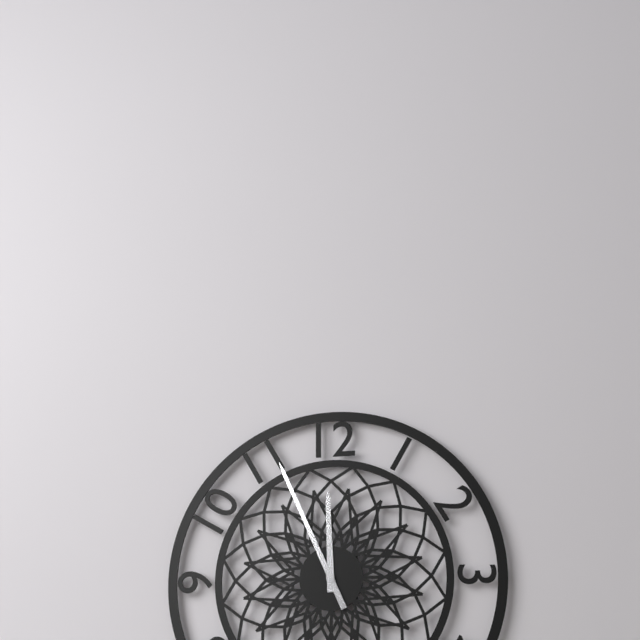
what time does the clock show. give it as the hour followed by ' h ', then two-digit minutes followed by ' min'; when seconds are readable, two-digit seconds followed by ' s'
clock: 11 h 56 min
